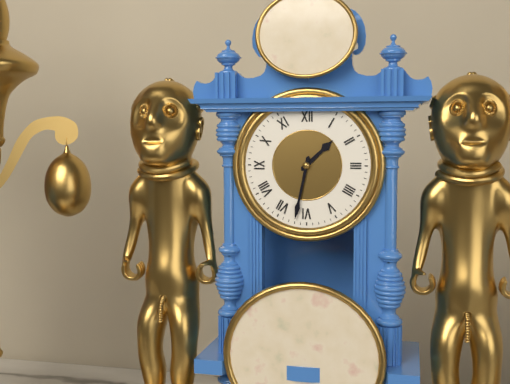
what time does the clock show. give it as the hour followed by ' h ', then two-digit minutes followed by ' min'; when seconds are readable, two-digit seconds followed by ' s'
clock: 1 h 32 min
